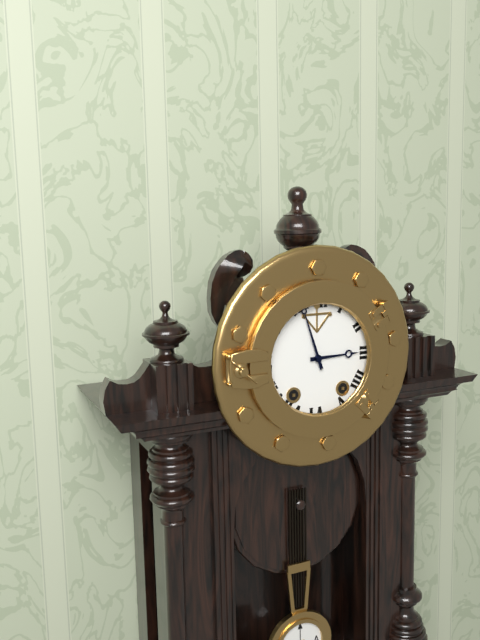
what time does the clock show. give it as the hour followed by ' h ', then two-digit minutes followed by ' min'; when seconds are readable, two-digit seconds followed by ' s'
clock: 2 h 57 min
